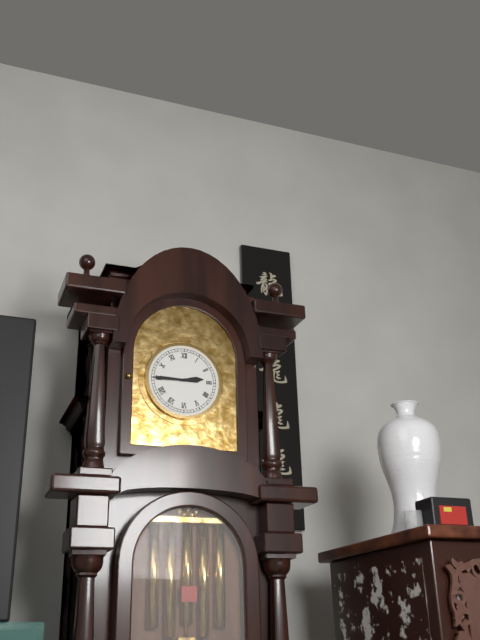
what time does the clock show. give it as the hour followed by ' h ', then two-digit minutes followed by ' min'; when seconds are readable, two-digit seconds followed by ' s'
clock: 2 h 45 min
